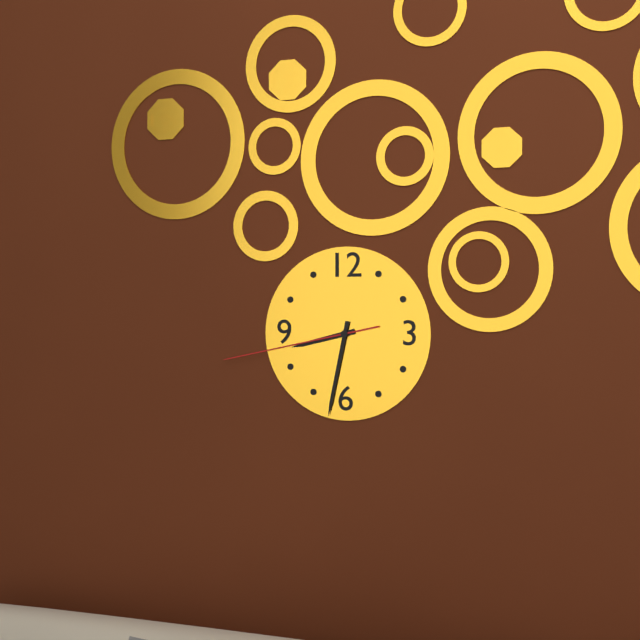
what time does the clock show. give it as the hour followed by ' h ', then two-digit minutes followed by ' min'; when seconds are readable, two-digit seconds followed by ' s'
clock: 8 h 32 min 43 s
